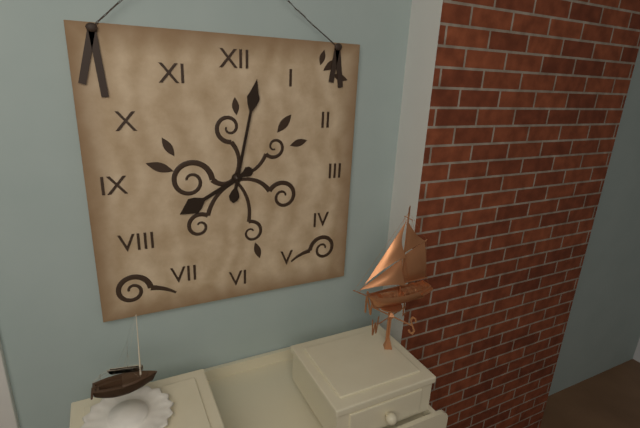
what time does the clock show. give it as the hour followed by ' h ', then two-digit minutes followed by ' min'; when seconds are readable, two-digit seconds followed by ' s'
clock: 8 h 02 min
